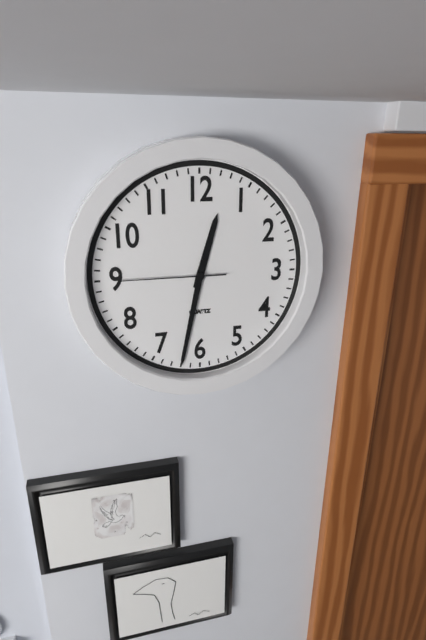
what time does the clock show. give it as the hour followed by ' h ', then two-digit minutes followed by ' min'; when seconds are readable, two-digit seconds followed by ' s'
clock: 12 h 32 min 45 s
